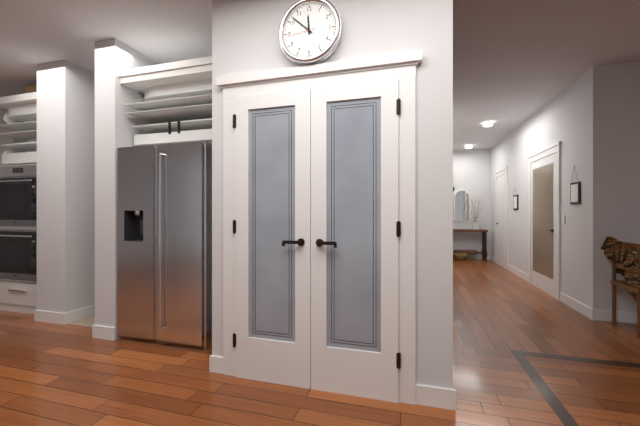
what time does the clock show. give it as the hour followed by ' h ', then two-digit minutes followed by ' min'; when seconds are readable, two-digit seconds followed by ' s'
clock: 11 h 52 min
